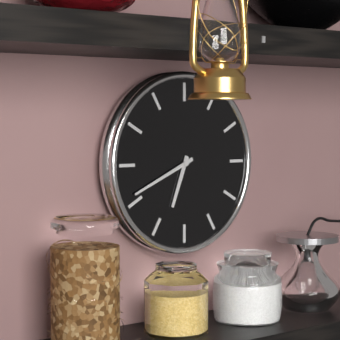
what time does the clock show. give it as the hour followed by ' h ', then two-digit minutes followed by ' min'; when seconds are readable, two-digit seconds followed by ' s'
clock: 6 h 41 min
